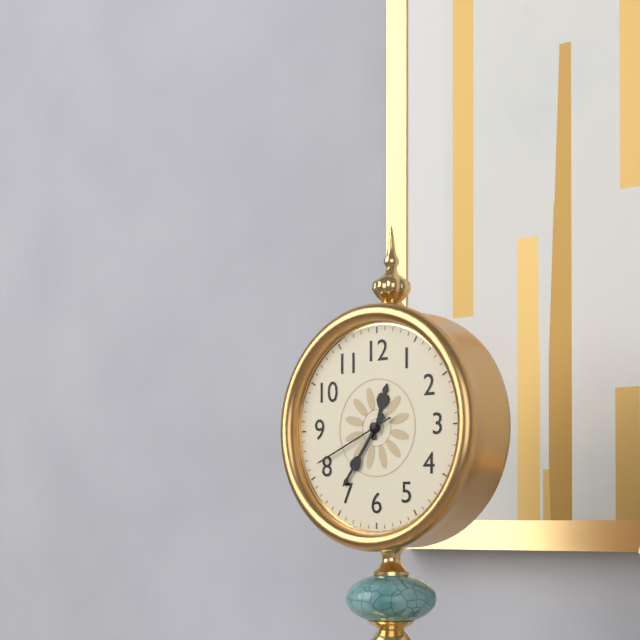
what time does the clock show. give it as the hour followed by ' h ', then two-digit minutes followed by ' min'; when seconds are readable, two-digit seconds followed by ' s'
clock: 12 h 36 min 41 s
